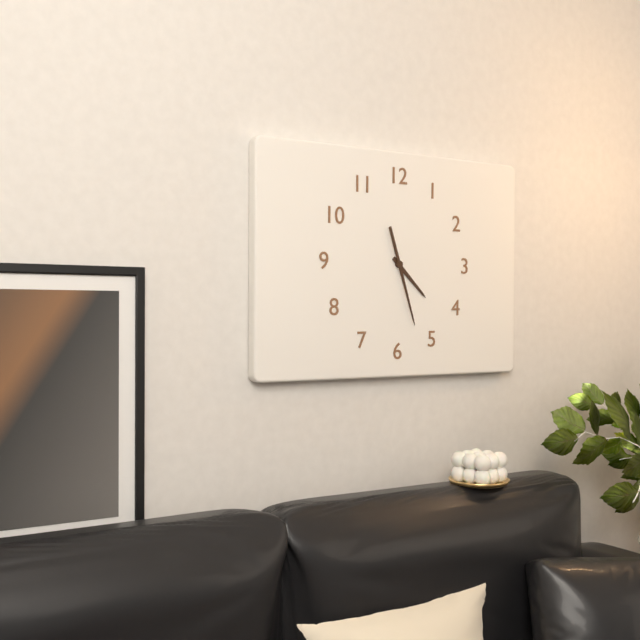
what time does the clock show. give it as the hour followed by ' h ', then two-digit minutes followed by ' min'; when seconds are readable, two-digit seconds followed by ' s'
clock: 4 h 27 min
